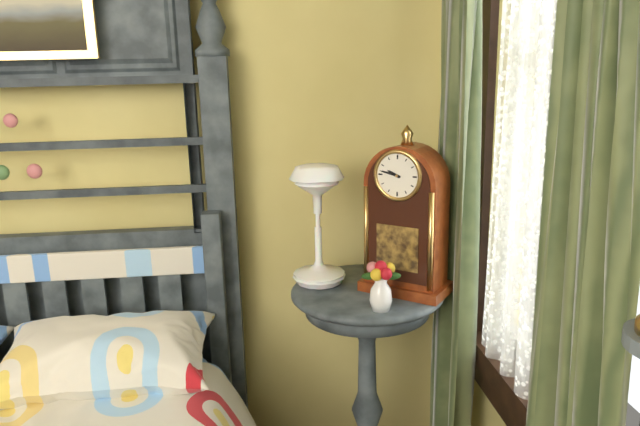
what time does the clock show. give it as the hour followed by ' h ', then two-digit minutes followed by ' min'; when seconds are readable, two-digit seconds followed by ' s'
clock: 9 h 47 min
